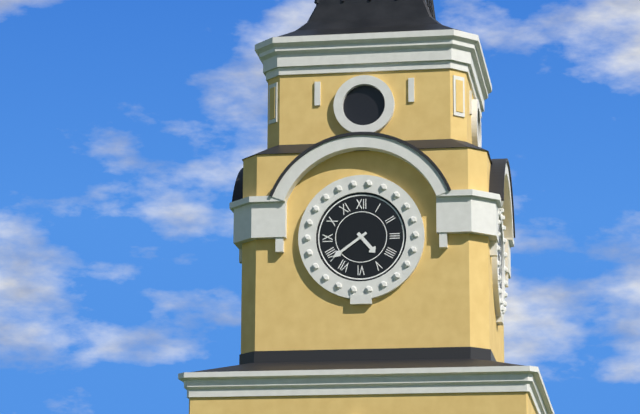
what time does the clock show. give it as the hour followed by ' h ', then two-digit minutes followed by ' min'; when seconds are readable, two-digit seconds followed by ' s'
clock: 4 h 39 min
